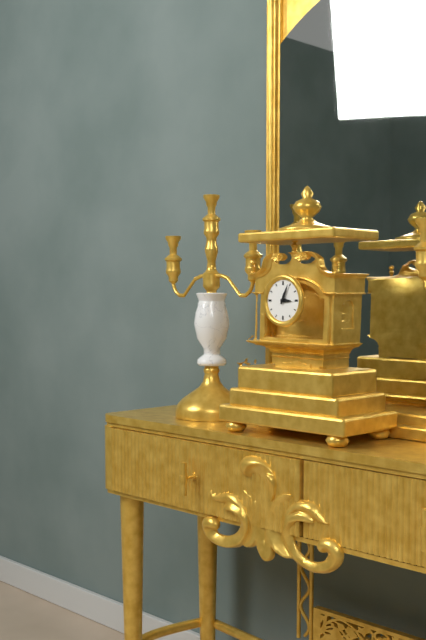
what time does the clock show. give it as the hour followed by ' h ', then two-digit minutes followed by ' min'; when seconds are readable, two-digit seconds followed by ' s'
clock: 3 h 04 min
